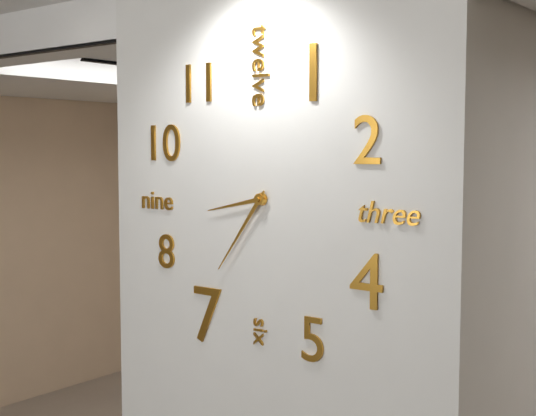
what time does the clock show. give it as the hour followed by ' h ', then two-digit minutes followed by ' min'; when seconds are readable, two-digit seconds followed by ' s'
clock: 8 h 36 min
